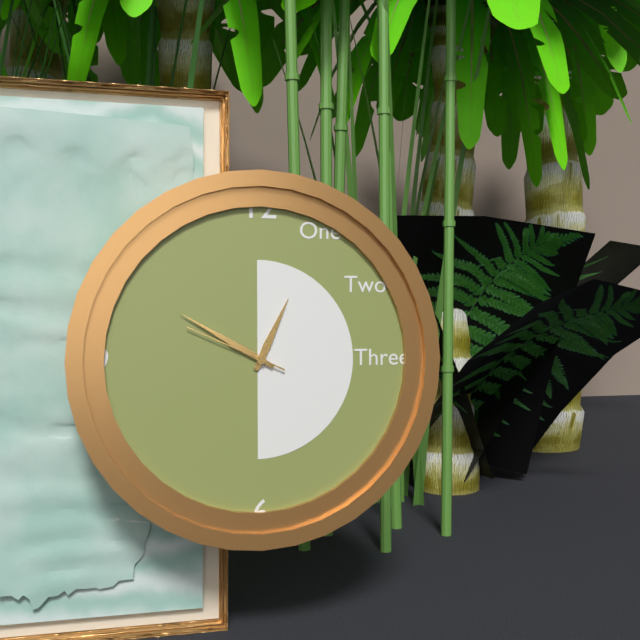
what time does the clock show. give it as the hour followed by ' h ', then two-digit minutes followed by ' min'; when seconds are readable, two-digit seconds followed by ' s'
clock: 12 h 50 min 49 s
